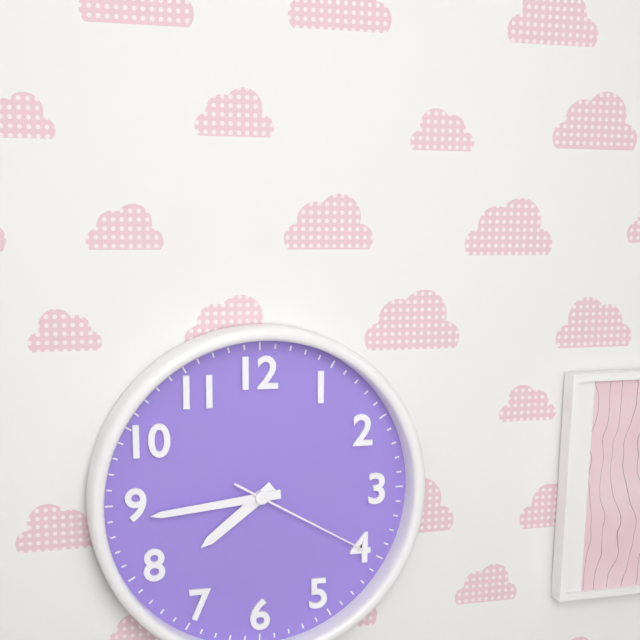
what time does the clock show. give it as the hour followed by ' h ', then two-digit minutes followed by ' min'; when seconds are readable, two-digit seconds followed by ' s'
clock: 7 h 44 min 20 s
